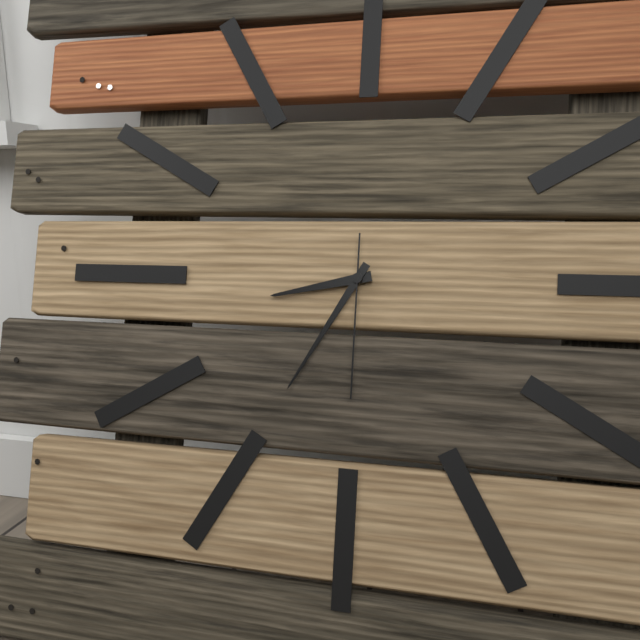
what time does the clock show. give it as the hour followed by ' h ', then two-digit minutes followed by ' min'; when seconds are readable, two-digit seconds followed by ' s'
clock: 8 h 35 min 30 s
